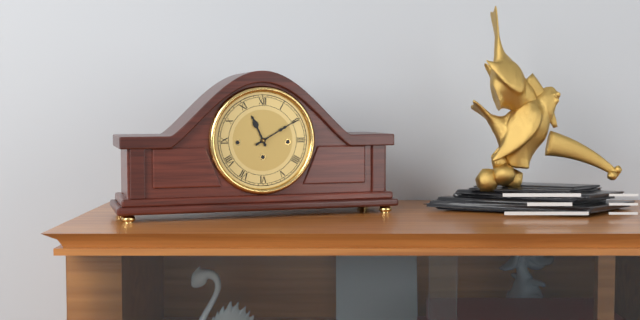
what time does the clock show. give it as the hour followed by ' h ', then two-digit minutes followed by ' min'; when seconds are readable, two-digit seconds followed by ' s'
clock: 11 h 10 min
